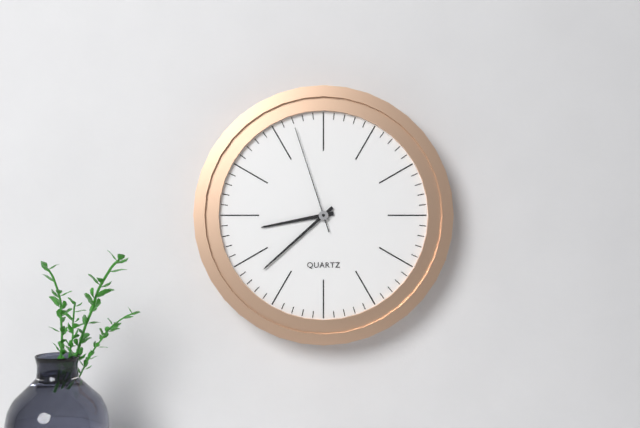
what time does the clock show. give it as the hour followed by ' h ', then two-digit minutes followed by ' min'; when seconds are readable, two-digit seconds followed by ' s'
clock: 8 h 38 min 57 s
